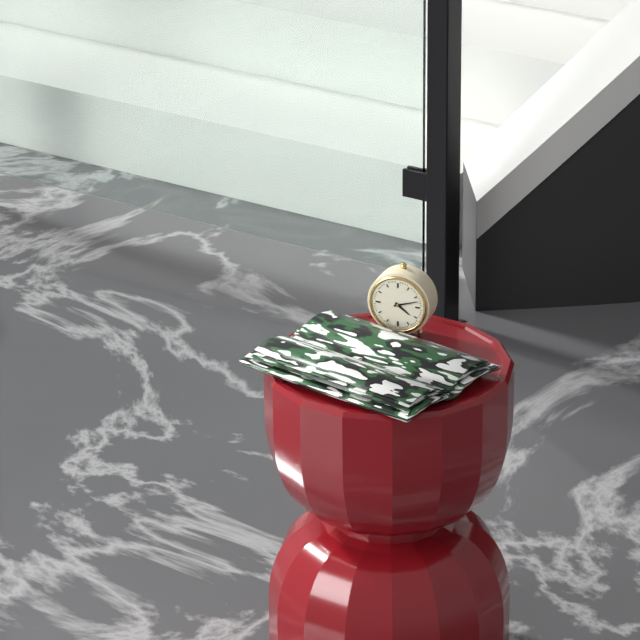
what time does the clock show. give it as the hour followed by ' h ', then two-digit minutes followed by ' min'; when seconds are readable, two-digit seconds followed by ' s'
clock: 4 h 12 min
